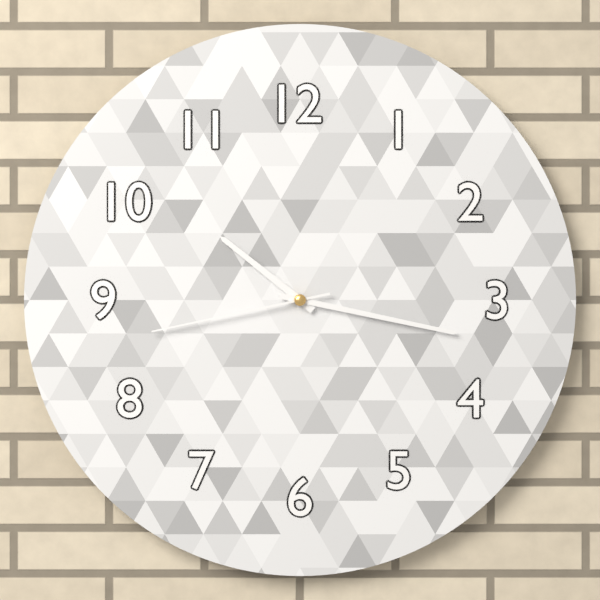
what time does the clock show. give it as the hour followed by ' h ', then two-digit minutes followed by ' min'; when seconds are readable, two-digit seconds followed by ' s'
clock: 10 h 17 min 43 s
